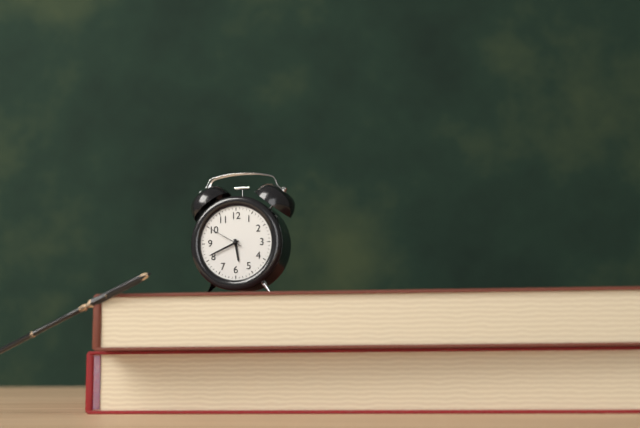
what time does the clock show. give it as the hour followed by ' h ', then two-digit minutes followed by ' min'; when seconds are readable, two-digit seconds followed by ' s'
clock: 5 h 41 min
